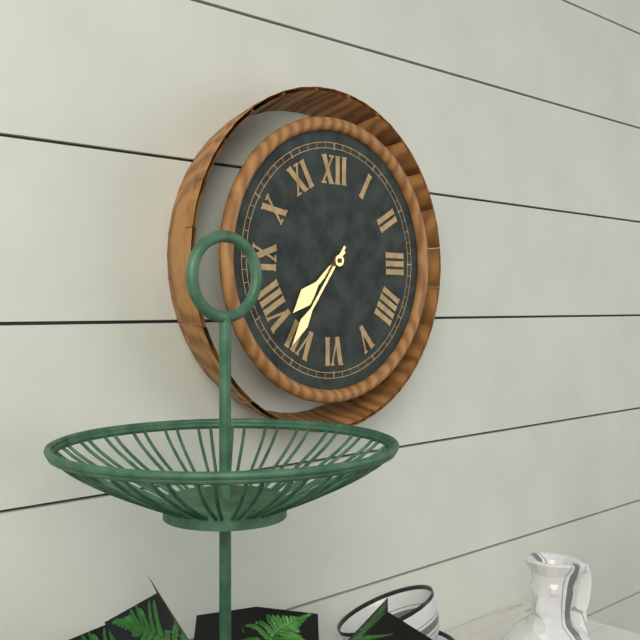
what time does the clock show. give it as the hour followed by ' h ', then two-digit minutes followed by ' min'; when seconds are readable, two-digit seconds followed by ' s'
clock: 7 h 36 min
